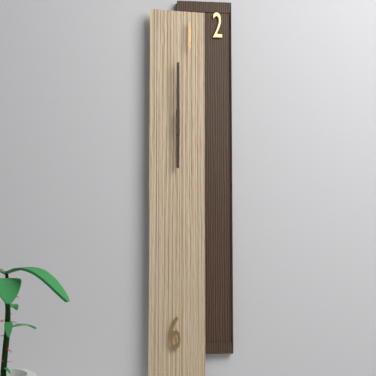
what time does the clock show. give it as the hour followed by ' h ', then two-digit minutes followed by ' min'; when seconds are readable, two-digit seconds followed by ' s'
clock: 6 h 00 min
